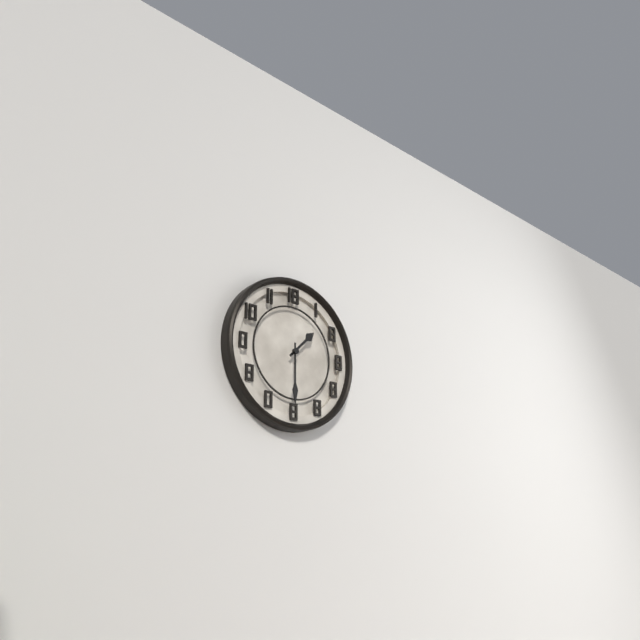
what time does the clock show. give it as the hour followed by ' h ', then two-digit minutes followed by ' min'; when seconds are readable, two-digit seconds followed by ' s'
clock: 1 h 30 min
